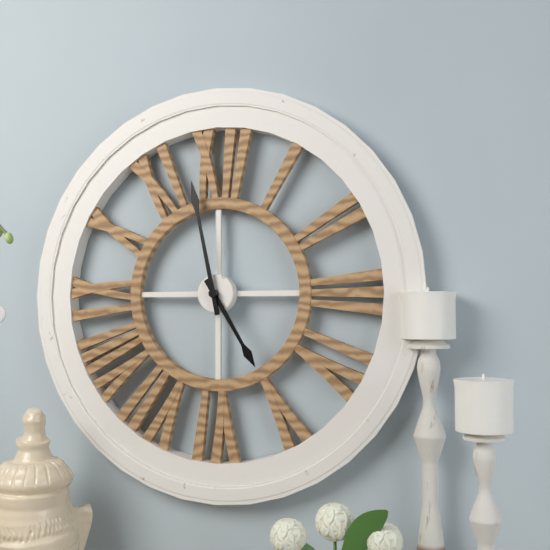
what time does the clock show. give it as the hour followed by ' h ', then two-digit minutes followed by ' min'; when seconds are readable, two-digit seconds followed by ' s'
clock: 4 h 58 min
